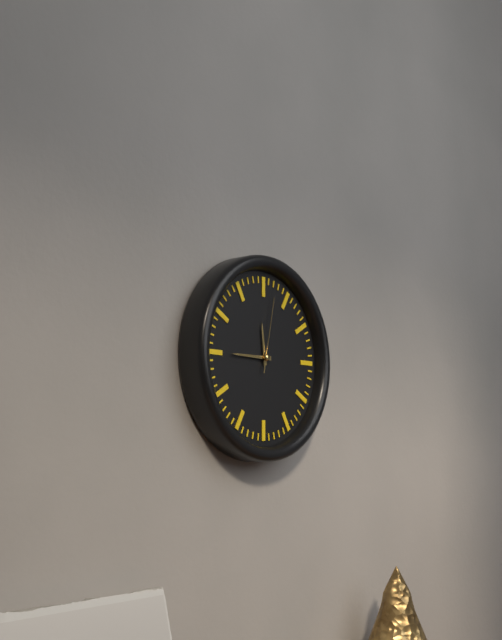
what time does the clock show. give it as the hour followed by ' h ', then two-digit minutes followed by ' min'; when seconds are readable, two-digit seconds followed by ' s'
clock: 11 h 45 min 02 s
